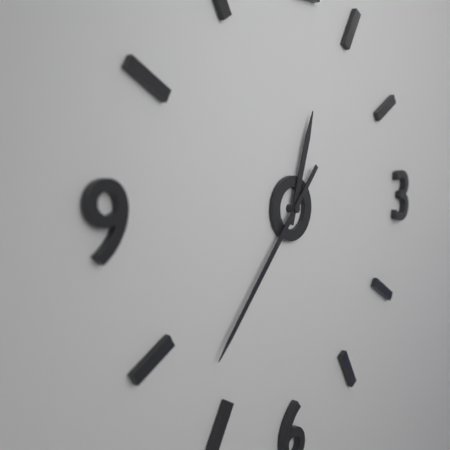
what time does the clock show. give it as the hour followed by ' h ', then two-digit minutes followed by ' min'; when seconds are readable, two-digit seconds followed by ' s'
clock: 12 h 37 min
